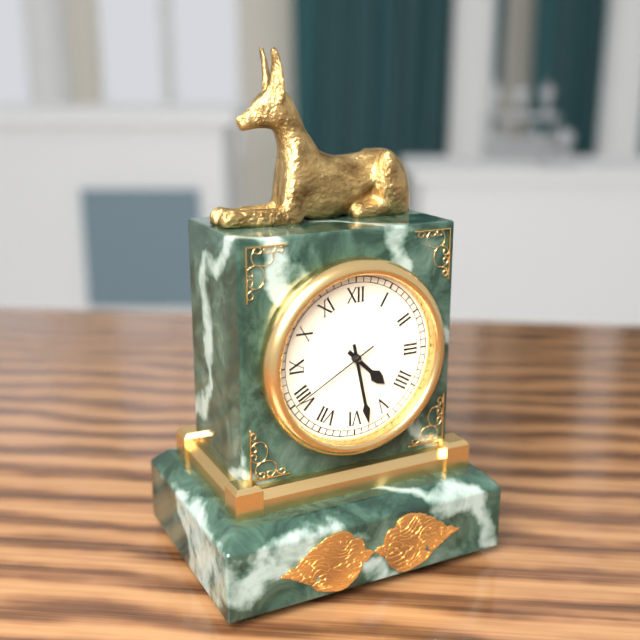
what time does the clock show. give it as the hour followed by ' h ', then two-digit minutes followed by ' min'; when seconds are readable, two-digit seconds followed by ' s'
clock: 4 h 28 min 40 s
